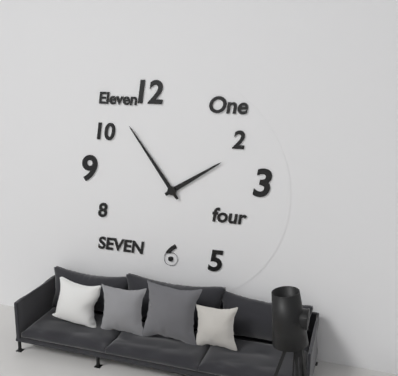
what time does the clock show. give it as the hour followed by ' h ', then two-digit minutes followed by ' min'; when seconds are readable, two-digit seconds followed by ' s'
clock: 1 h 54 min
